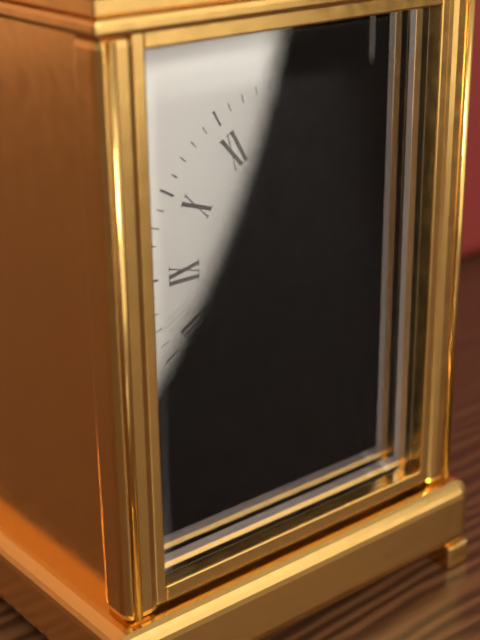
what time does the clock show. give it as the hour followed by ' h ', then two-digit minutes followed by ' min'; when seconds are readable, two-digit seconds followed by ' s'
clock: 12 h 08 min
